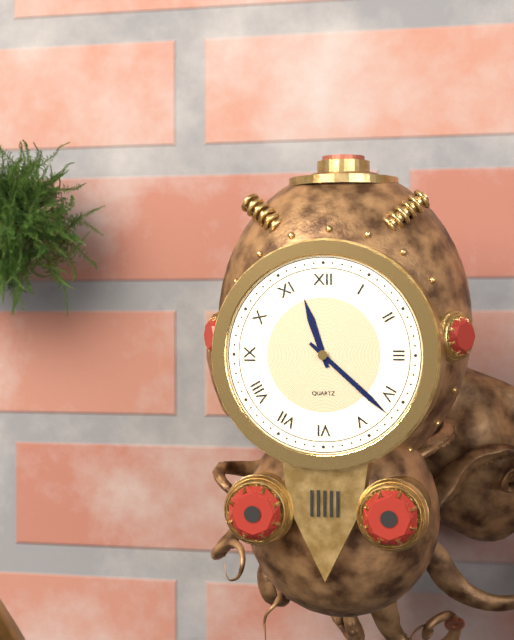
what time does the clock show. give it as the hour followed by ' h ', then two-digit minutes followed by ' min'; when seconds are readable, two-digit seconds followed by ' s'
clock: 11 h 22 min
